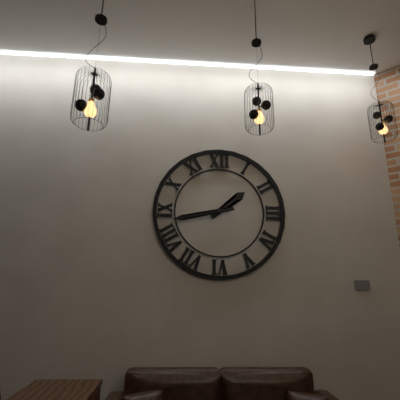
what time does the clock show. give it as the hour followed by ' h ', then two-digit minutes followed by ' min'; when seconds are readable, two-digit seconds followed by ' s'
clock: 1 h 43 min
